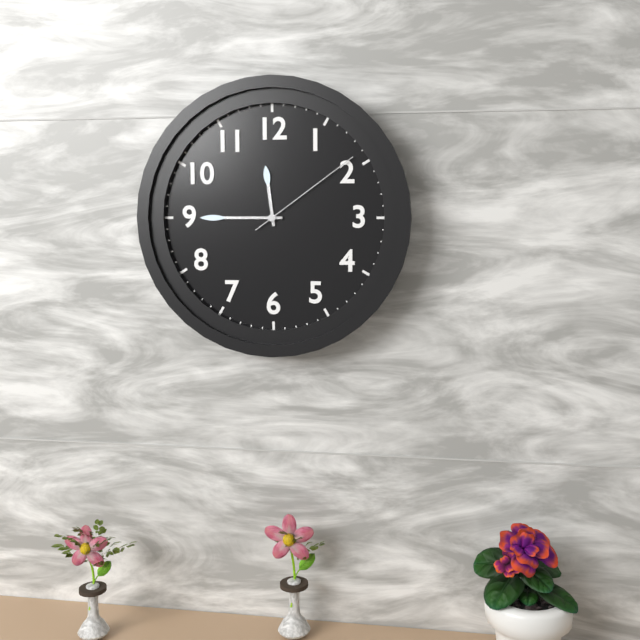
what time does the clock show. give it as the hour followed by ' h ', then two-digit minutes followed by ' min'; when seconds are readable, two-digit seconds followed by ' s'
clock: 11 h 45 min 09 s
